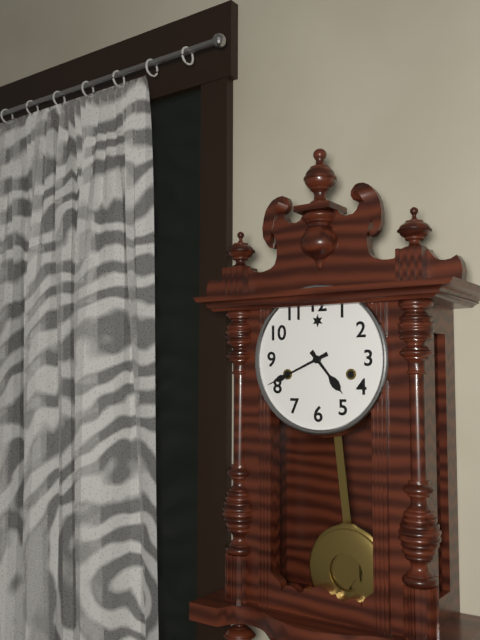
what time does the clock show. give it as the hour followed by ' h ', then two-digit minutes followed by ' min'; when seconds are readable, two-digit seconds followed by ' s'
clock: 4 h 41 min
